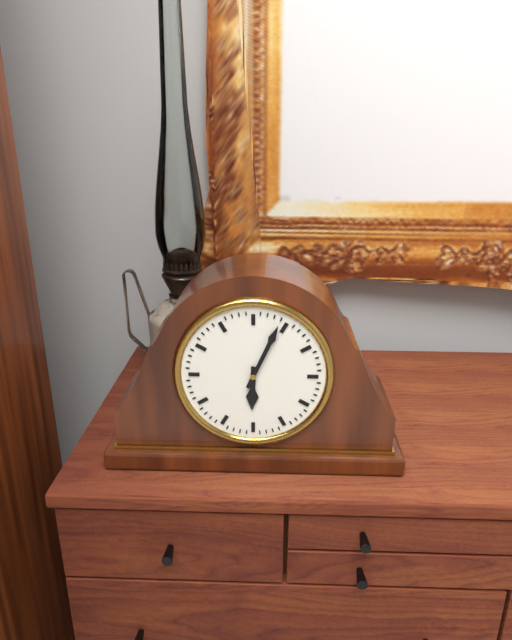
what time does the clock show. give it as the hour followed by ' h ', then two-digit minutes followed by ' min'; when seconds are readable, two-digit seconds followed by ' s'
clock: 6 h 04 min
